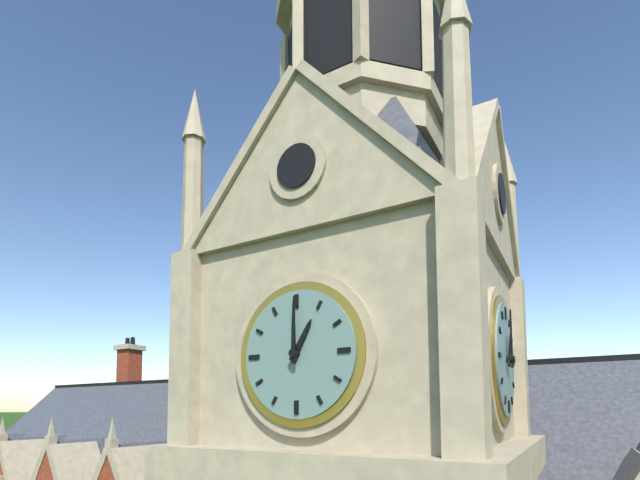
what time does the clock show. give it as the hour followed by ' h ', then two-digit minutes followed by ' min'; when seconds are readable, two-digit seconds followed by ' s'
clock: 1 h 00 min
